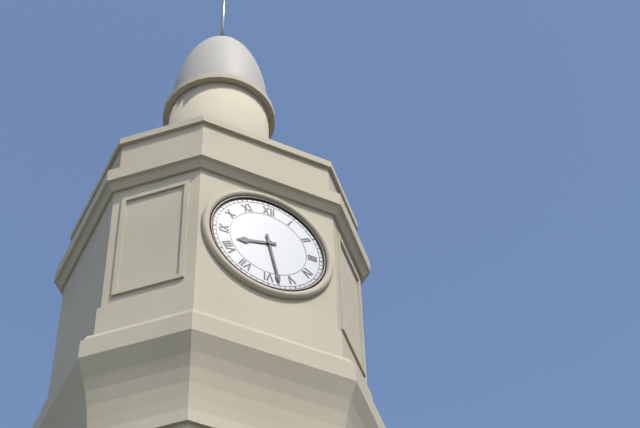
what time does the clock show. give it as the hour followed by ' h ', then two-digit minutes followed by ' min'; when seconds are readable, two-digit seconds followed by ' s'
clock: 8 h 28 min
